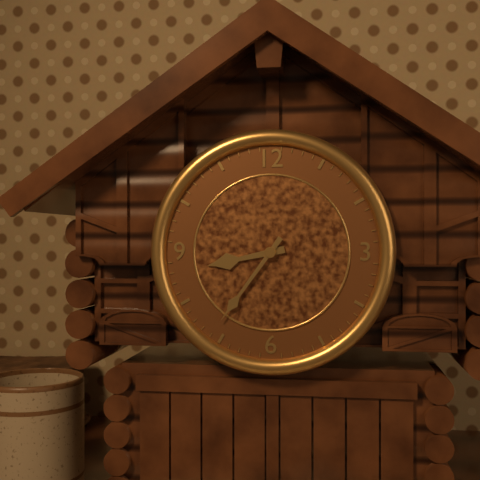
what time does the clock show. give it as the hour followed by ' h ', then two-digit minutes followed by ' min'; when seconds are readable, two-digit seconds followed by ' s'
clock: 8 h 36 min
